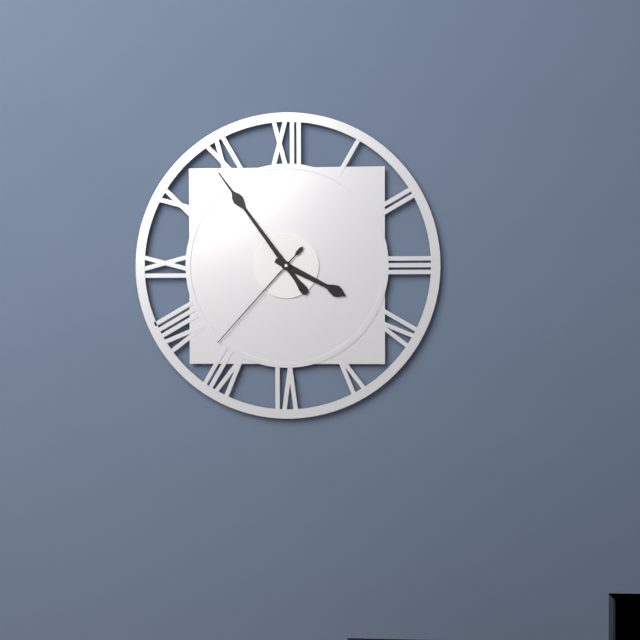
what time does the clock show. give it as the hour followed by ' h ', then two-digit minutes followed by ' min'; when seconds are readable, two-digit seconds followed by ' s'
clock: 3 h 54 min 37 s
